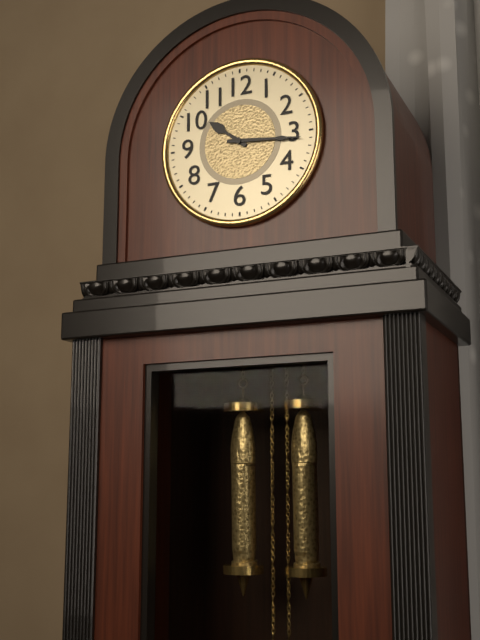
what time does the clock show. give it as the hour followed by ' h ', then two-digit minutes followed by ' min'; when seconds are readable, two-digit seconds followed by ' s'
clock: 10 h 16 min
